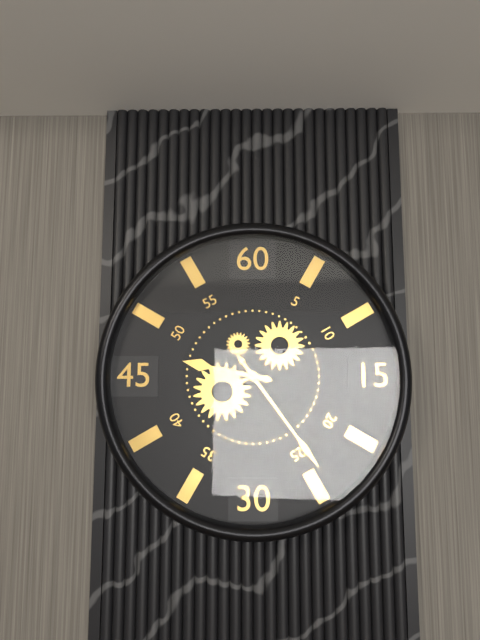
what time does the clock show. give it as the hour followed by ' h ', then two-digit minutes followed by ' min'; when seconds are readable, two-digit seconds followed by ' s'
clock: 9 h 24 min
